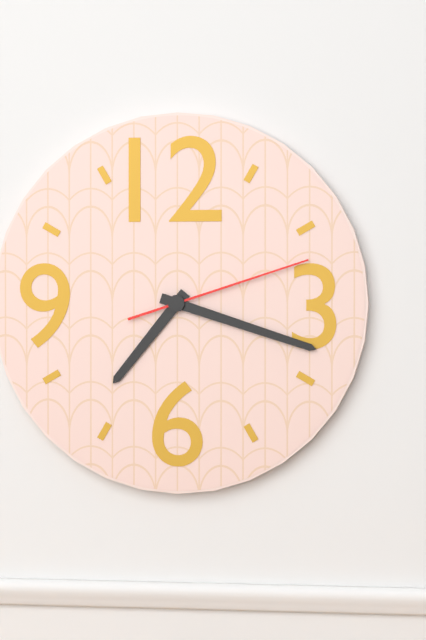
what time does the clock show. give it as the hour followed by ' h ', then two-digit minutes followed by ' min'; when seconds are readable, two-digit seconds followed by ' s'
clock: 7 h 18 min 12 s
